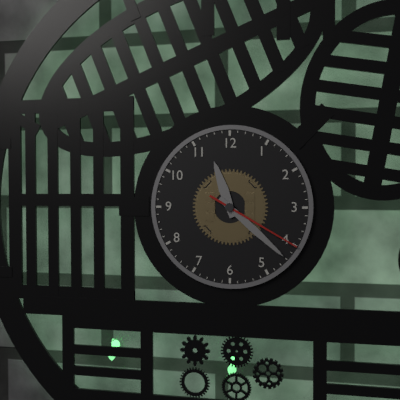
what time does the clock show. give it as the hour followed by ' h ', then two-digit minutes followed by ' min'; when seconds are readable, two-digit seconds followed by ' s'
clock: 11 h 22 min 20 s
